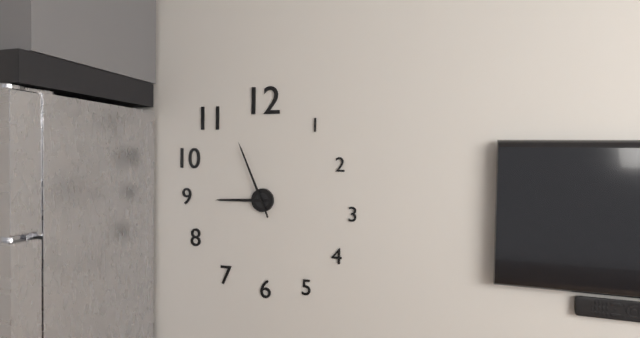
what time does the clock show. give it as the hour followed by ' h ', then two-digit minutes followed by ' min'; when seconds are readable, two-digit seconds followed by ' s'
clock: 8 h 56 min
